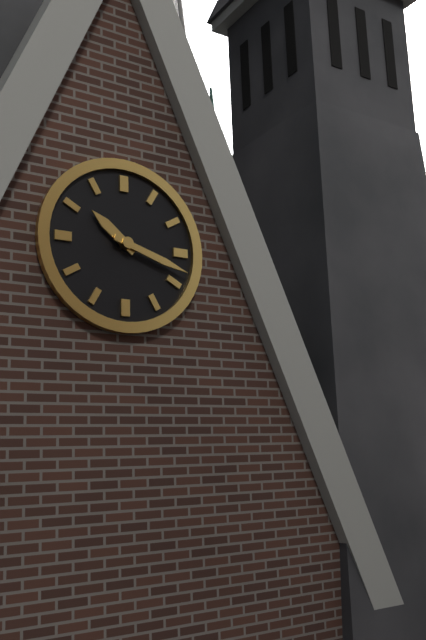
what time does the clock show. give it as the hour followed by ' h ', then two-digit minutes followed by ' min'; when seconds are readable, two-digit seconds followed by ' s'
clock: 10 h 18 min
